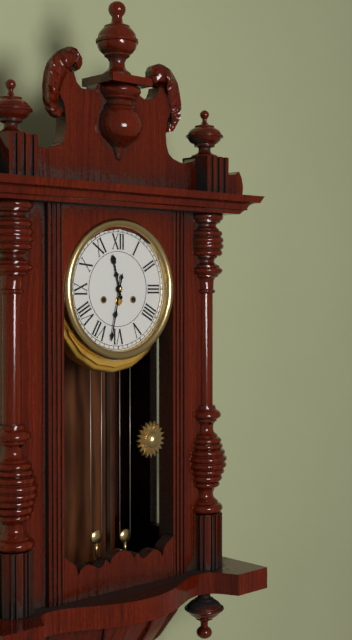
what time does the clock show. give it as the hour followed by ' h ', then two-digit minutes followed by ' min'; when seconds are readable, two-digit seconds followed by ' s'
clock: 11 h 32 min
